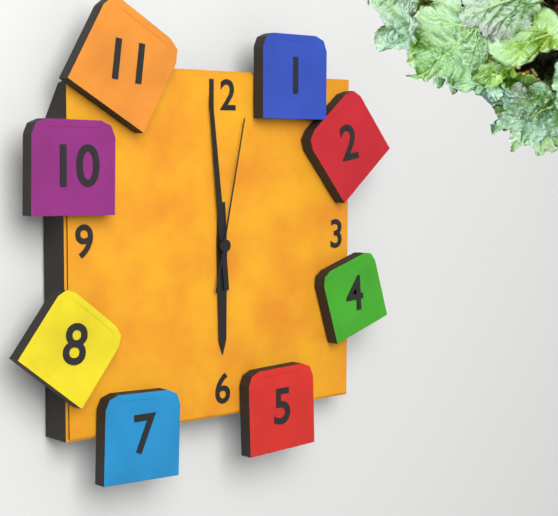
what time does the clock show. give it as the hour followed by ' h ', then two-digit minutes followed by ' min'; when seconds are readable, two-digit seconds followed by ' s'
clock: 5 h 59 min 02 s
